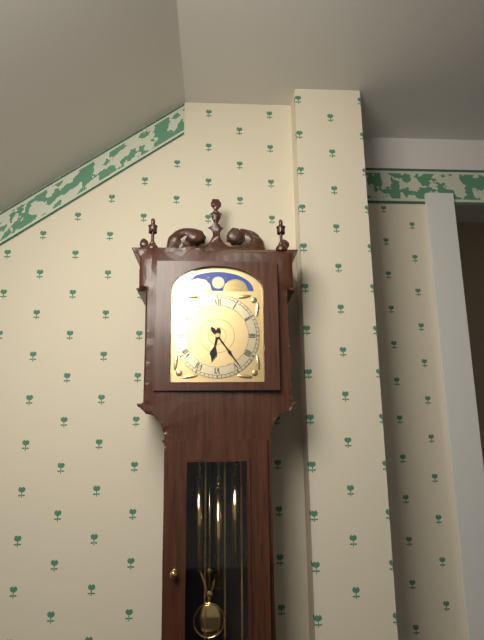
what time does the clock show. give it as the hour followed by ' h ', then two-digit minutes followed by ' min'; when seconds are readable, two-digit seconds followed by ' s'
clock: 6 h 24 min
